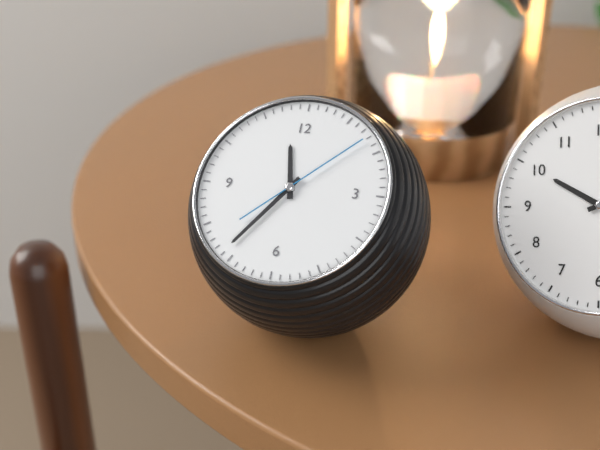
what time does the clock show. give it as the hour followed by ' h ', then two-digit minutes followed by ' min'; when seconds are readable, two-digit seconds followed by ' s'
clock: 11 h 36 min 08 s
